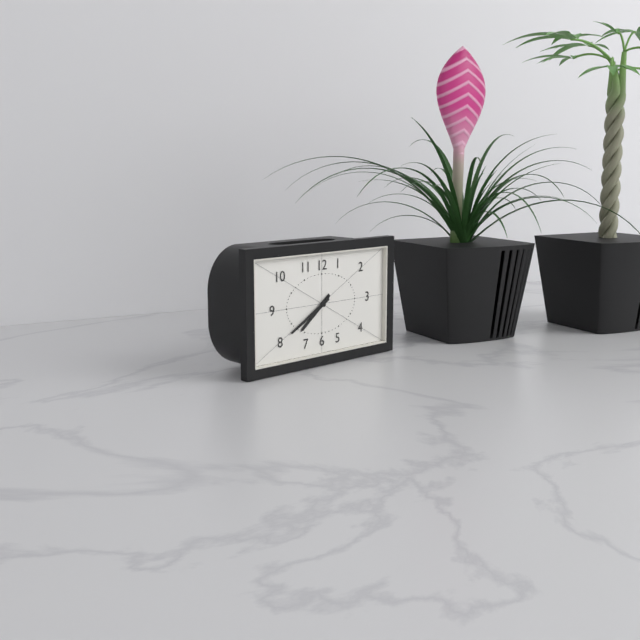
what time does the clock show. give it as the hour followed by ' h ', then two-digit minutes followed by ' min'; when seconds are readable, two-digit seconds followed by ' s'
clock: 7 h 40 min
